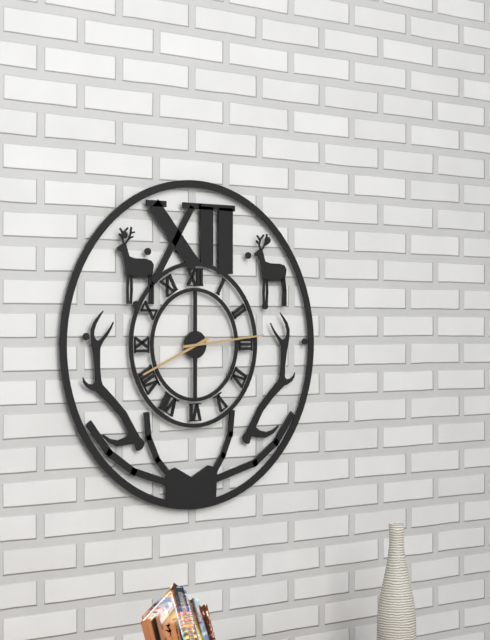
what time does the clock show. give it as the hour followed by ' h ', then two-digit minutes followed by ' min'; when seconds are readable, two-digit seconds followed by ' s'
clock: 8 h 14 min
